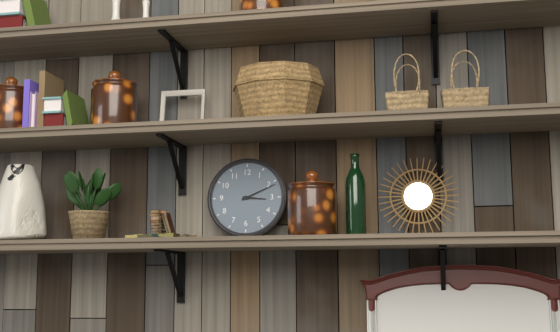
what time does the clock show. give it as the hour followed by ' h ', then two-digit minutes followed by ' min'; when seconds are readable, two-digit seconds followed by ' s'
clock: 3 h 11 min
